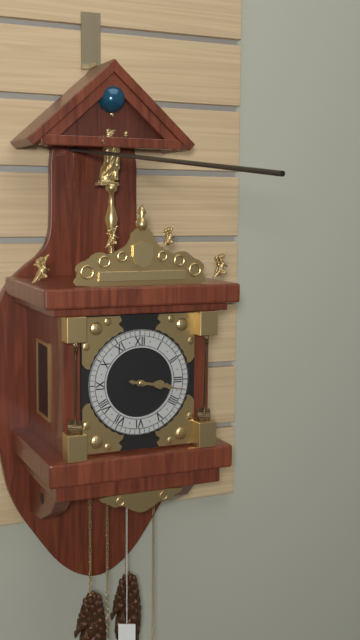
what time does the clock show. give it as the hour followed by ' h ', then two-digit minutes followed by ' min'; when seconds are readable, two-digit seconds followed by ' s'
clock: 3 h 17 min
